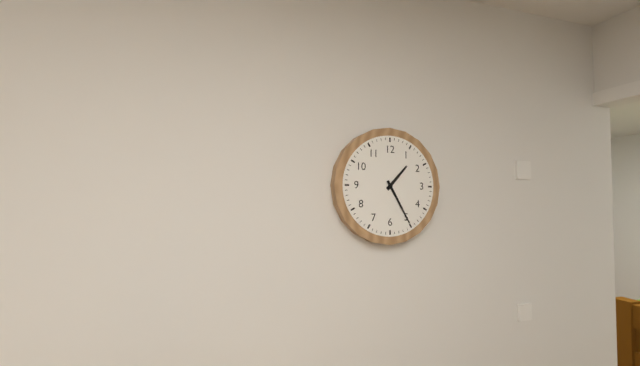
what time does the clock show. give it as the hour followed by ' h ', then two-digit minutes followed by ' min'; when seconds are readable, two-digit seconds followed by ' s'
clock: 1 h 25 min
